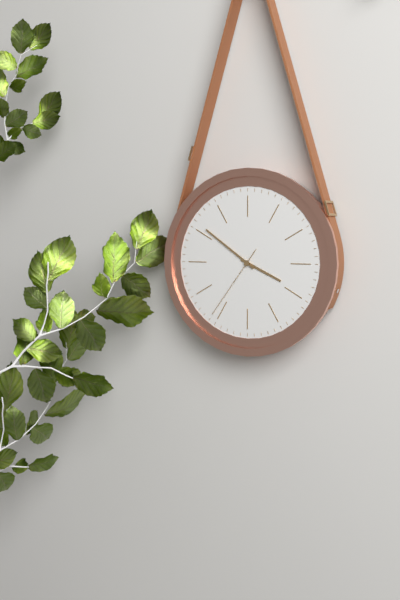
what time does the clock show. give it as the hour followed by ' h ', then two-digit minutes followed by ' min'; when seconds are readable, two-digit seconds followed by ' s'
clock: 3 h 51 min 36 s
